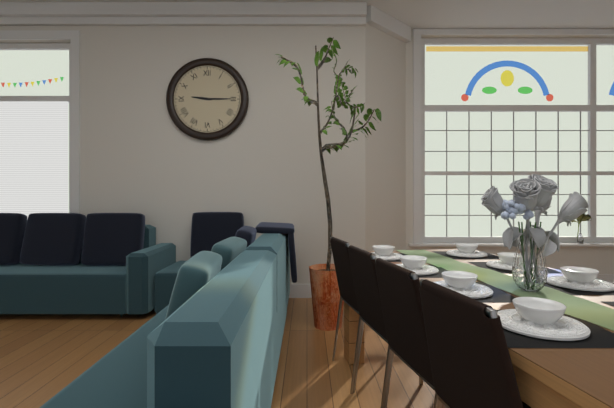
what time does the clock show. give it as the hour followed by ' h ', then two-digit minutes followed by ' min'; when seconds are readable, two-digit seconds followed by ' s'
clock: 9 h 15 min
